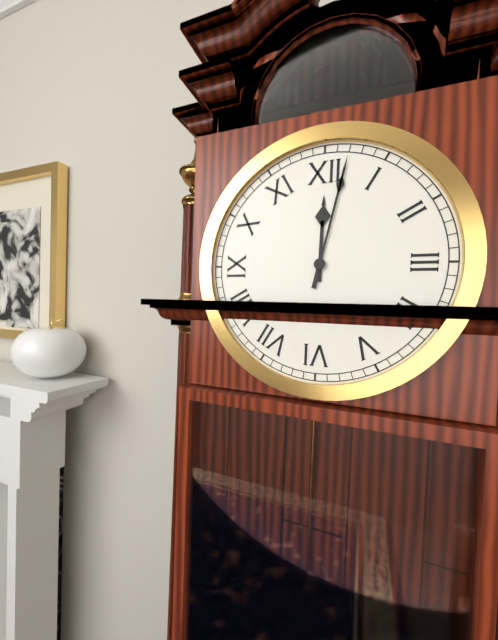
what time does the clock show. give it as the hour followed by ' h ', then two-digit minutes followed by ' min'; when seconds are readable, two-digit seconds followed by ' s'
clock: 12 h 02 min
